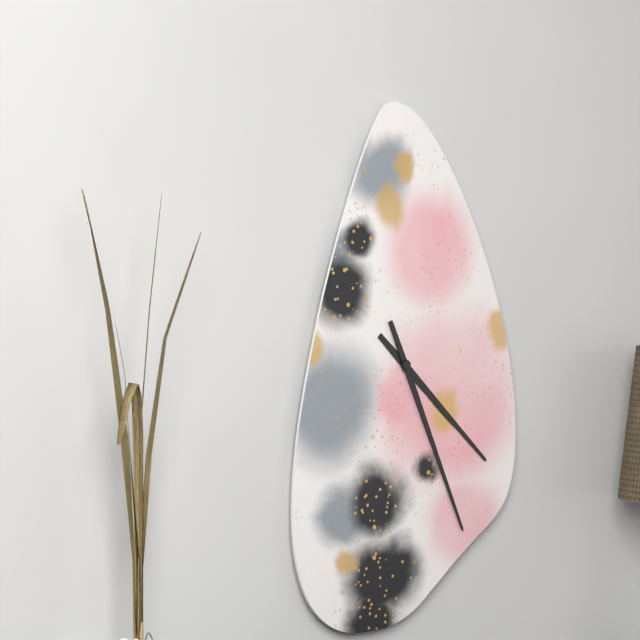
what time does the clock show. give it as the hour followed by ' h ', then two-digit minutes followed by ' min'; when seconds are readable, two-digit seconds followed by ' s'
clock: 4 h 26 min
